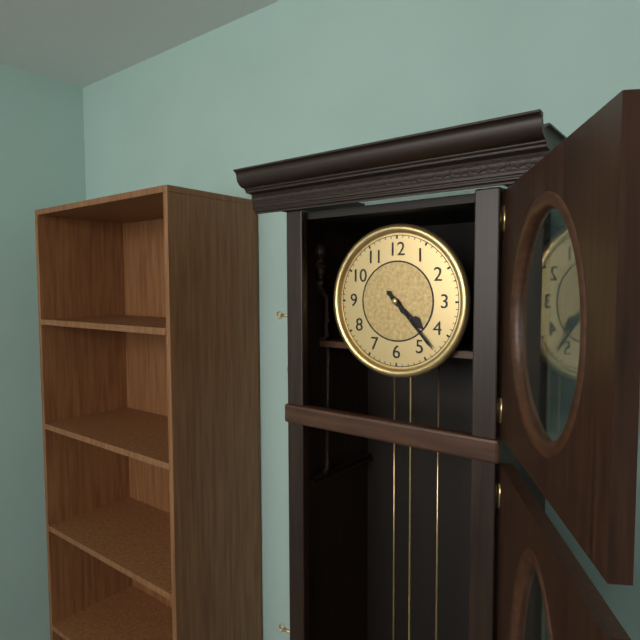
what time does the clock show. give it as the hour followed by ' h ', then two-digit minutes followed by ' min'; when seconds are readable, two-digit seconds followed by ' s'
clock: 4 h 23 min
